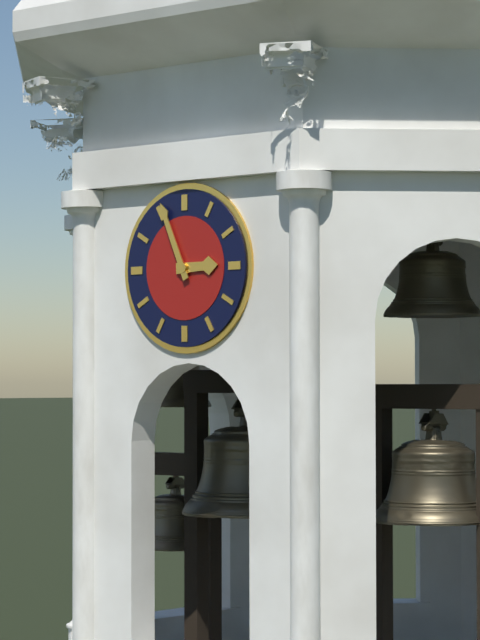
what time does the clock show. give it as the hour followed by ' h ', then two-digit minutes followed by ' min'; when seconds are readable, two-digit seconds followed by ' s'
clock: 2 h 56 min
